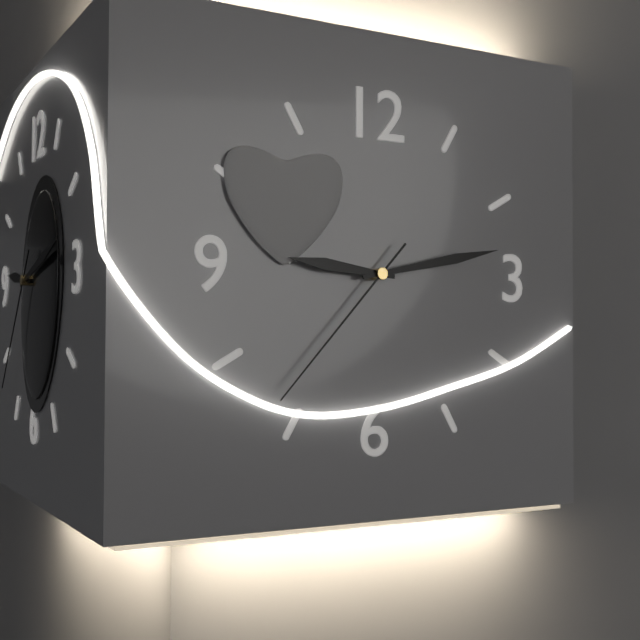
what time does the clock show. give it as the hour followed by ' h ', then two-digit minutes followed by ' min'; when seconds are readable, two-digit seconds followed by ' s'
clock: 9 h 13 min 37 s
